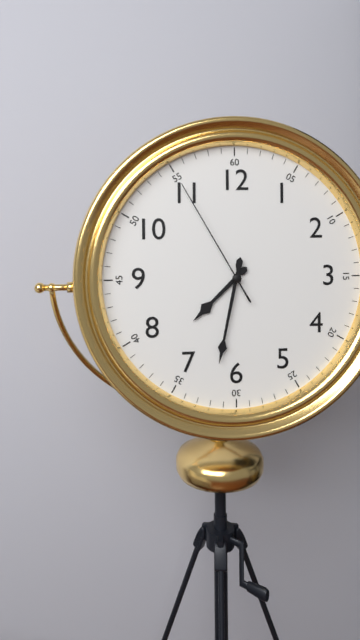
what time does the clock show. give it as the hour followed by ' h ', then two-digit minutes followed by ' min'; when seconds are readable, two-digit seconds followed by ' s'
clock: 7 h 32 min 55 s
